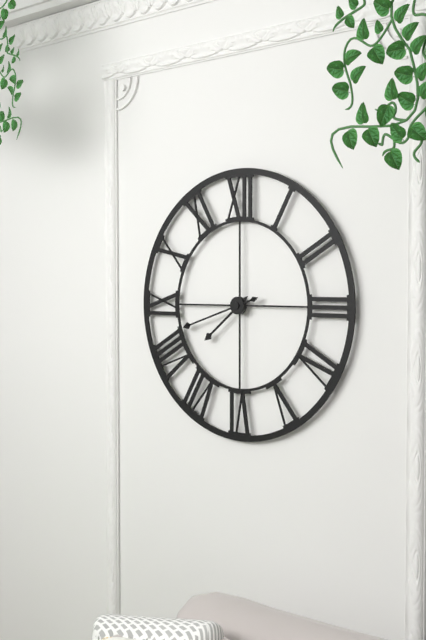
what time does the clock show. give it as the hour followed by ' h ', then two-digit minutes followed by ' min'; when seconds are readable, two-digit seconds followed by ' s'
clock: 7 h 42 min
